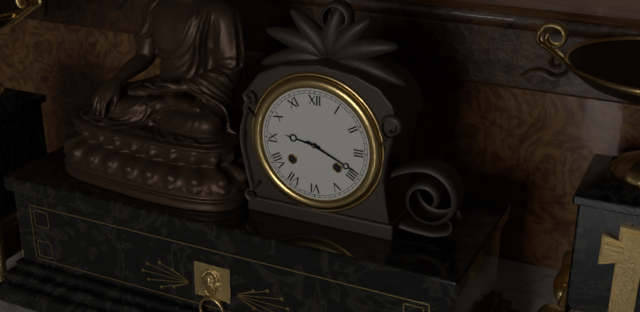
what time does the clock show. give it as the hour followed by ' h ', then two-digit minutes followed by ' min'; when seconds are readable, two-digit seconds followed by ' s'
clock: 9 h 19 min
